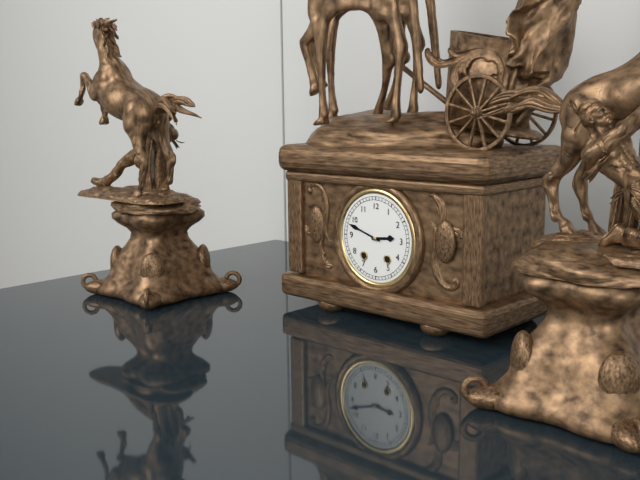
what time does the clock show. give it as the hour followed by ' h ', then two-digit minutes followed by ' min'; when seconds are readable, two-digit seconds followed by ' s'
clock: 2 h 48 min
